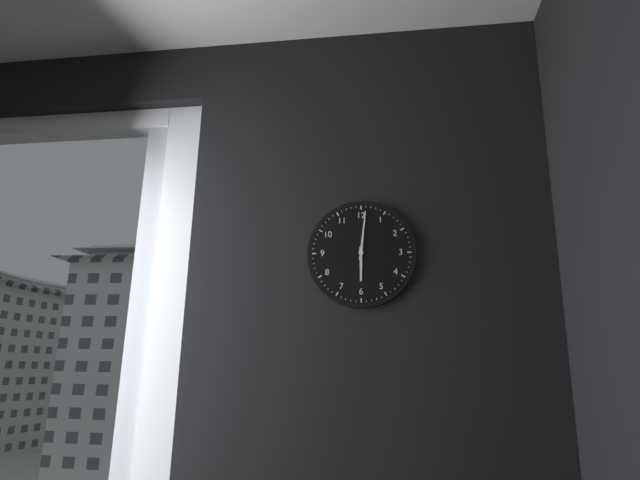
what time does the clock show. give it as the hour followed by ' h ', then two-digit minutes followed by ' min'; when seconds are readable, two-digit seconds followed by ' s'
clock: 6 h 01 min
